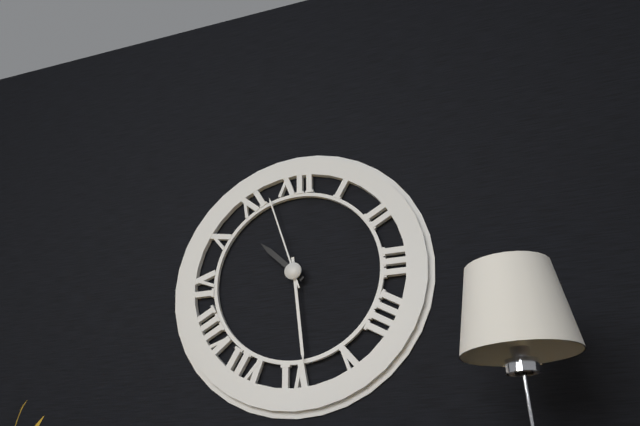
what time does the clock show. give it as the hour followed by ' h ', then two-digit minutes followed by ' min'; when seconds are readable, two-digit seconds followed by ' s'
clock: 10 h 29 min 57 s
